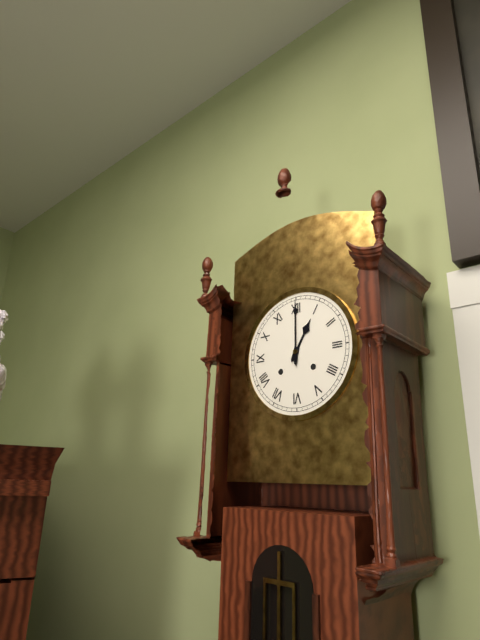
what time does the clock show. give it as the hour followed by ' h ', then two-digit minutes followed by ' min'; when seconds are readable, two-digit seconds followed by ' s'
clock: 1 h 00 min
